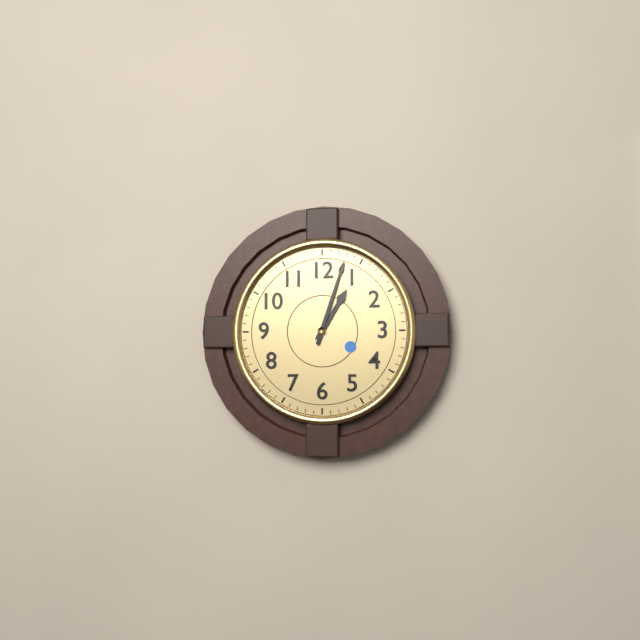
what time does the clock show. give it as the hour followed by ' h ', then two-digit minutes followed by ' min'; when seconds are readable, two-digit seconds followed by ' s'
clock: 1 h 03 min
